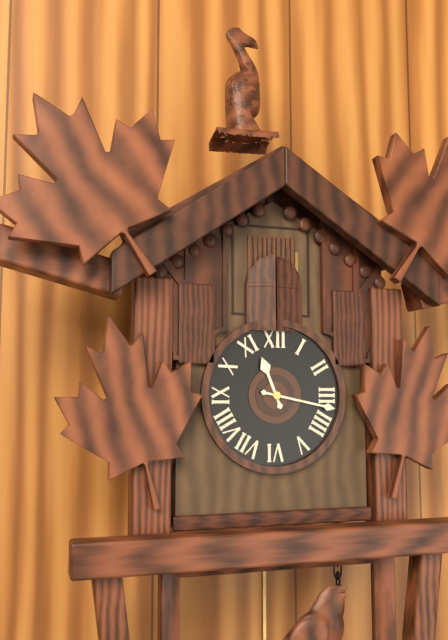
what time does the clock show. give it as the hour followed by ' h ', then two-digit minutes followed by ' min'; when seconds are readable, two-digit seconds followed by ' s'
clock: 11 h 17 min
